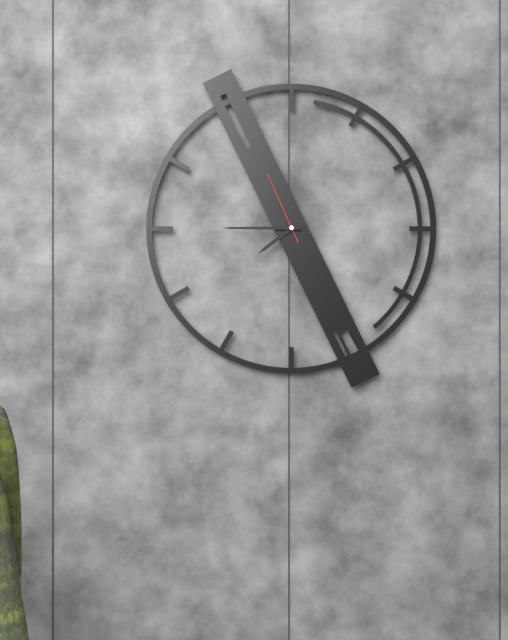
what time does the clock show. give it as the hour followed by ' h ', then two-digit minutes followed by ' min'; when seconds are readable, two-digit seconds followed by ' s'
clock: 7 h 45 min 56 s
